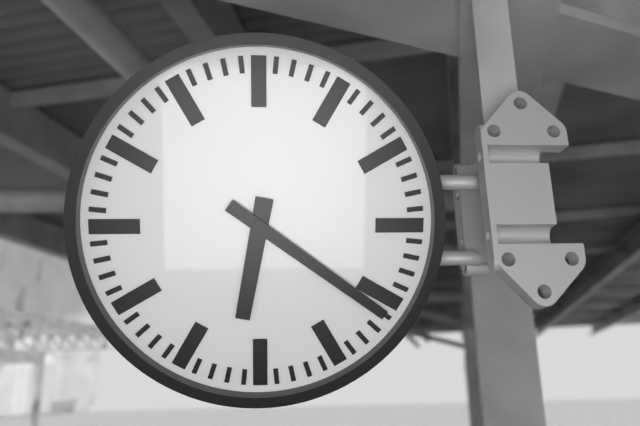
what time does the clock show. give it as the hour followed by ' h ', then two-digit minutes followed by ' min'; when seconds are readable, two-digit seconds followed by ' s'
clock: 6 h 21 min
